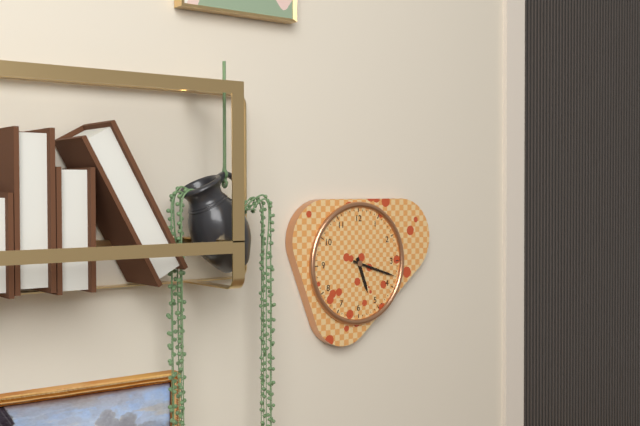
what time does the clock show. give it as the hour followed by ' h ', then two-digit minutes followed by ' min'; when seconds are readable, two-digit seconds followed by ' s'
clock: 5 h 18 min
